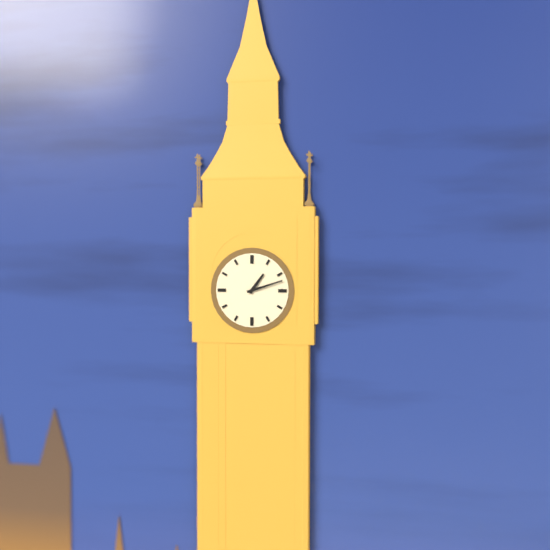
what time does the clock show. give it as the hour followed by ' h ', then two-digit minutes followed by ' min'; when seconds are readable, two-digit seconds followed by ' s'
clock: 1 h 12 min
